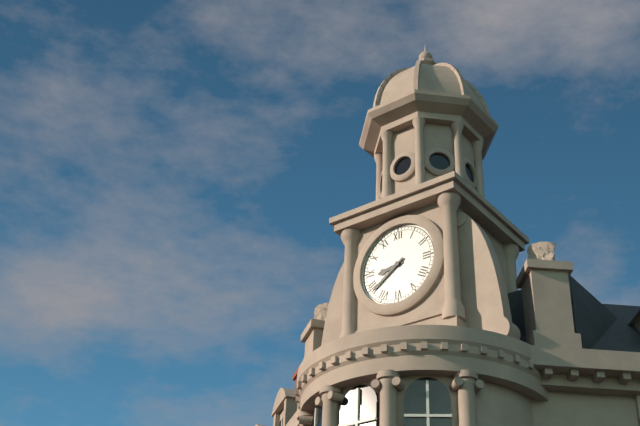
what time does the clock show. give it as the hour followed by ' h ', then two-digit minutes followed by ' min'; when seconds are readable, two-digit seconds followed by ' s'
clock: 8 h 39 min
